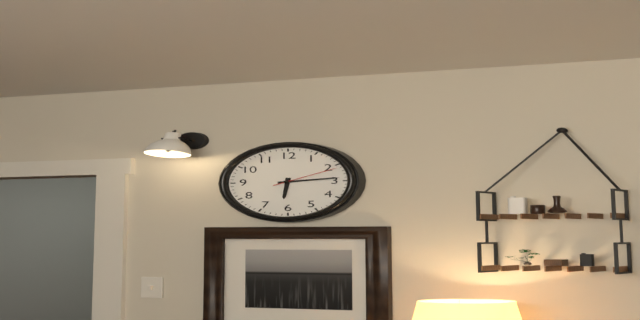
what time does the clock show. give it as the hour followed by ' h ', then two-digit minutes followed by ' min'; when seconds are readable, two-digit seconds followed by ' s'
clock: 6 h 14 min 11 s
